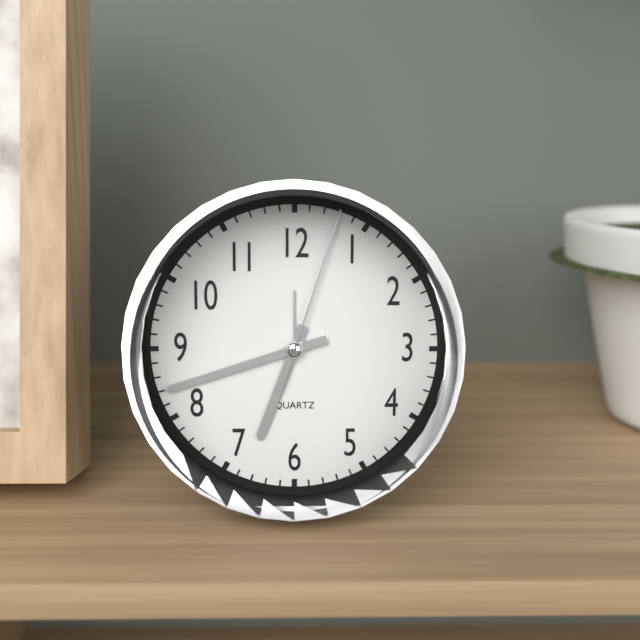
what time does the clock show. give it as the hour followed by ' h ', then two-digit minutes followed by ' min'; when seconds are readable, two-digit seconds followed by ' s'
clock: 6 h 42 min 03 s
